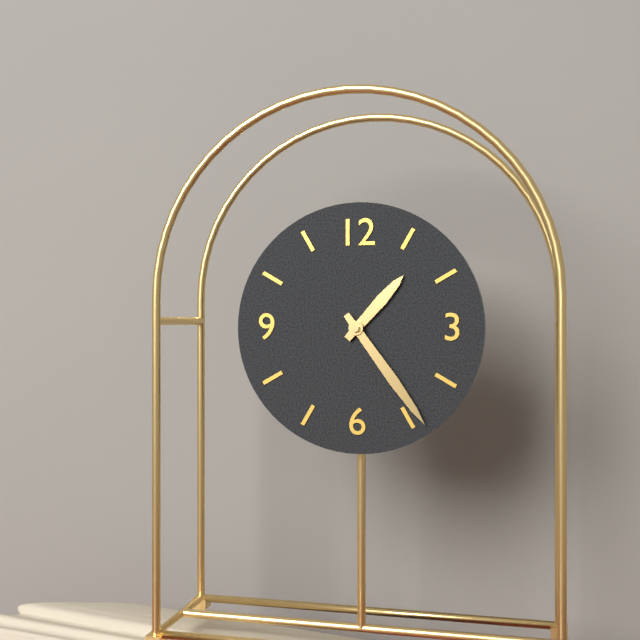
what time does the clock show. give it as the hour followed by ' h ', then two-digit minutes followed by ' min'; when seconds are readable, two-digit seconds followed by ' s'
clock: 1 h 24 min
